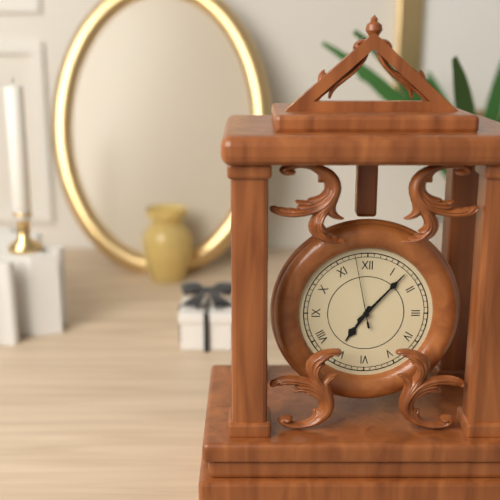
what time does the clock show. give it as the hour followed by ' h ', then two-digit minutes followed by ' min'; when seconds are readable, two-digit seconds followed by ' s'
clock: 7 h 07 min 58 s
